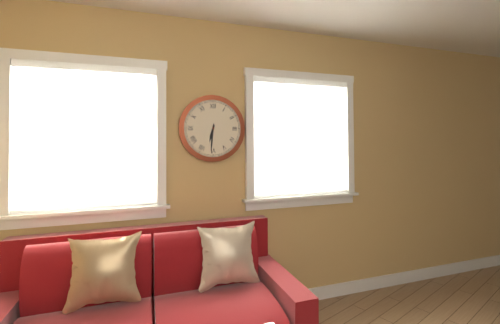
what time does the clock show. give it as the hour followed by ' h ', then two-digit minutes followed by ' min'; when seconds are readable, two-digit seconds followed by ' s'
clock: 6 h 31 min
